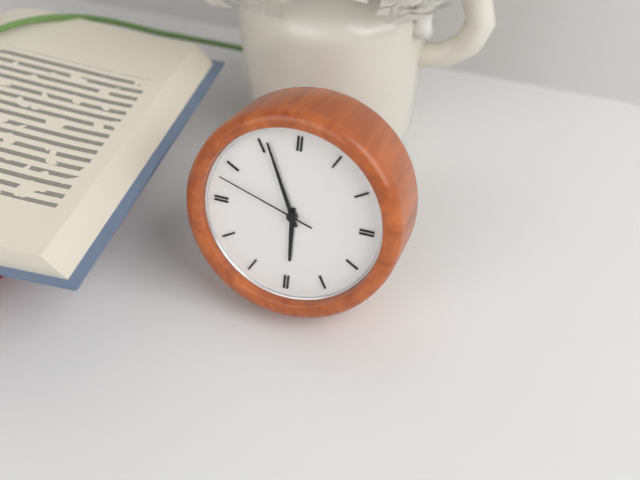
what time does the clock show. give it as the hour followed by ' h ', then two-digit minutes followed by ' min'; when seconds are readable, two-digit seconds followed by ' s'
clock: 5 h 56 min 48 s
